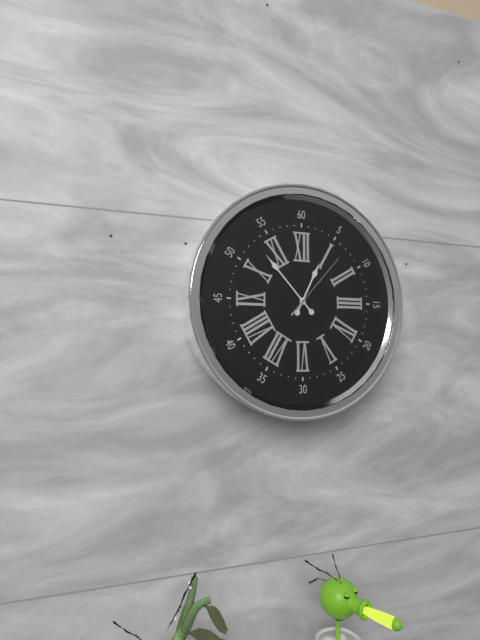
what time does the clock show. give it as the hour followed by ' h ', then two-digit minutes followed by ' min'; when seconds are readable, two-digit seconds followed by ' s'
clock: 12 h 53 min 07 s
